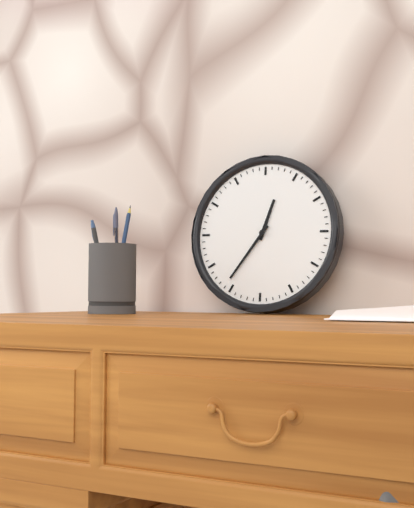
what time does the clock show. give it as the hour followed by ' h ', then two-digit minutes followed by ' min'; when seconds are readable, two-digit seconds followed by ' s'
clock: 12 h 36 min
